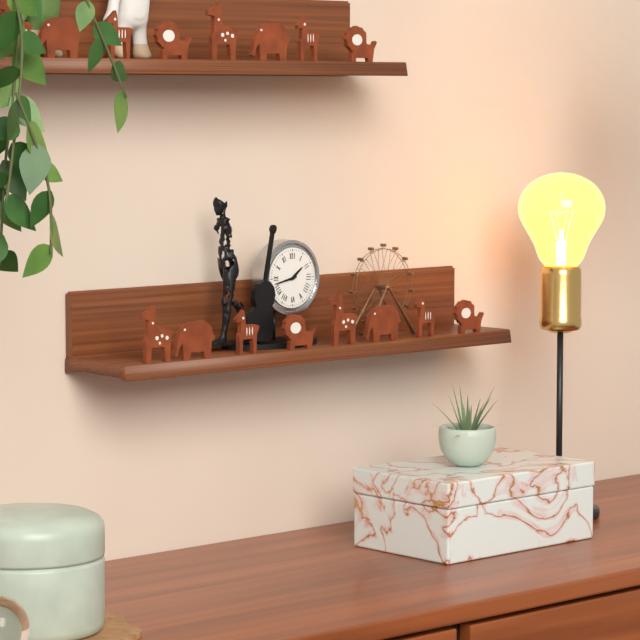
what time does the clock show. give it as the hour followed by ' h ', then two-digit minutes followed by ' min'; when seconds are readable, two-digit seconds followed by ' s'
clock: 1 h 43 min
